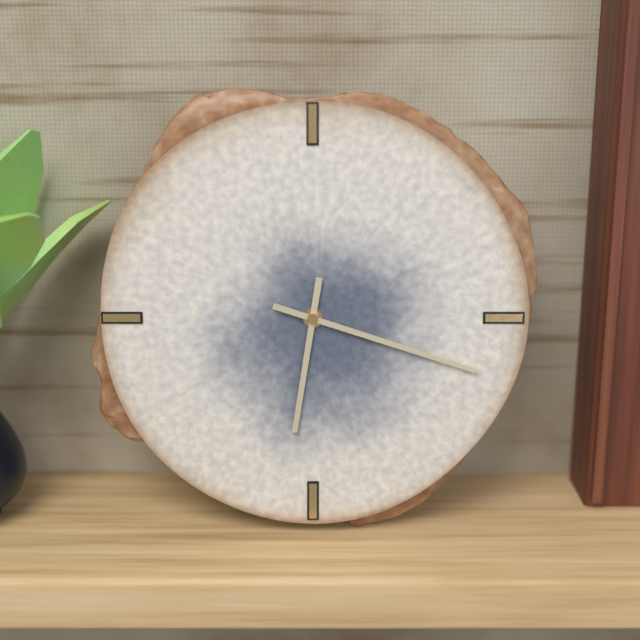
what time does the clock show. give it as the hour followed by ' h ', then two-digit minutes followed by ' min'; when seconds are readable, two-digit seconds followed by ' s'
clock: 6 h 18 min
